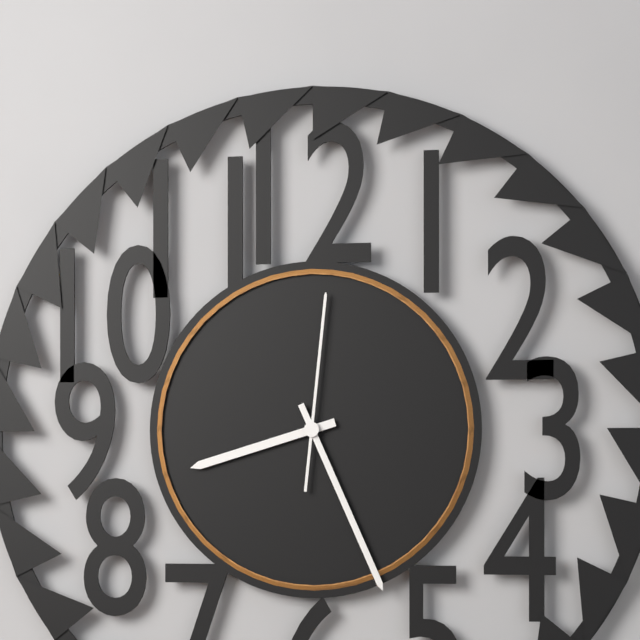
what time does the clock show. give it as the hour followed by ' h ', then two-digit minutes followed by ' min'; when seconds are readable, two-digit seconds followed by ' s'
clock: 8 h 26 min 01 s
